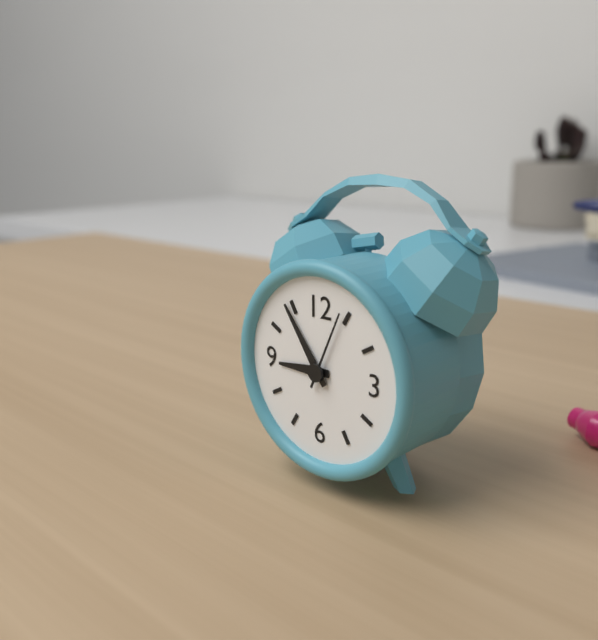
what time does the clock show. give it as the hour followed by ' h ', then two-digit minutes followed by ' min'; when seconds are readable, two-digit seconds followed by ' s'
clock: 8 h 54 min 04 s
